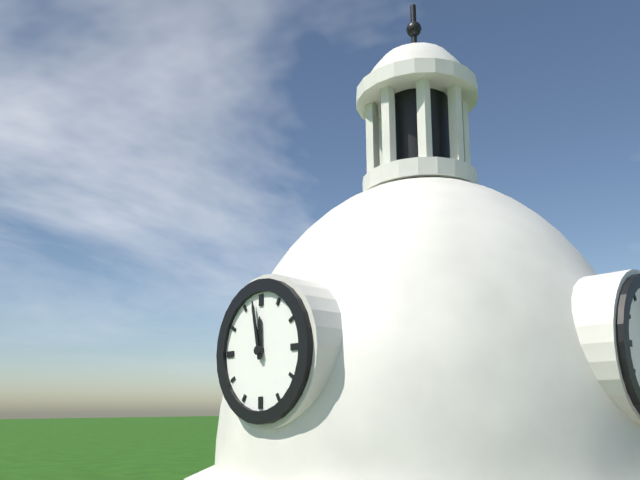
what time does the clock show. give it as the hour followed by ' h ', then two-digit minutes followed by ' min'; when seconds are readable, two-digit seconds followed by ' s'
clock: 11 h 58 min
